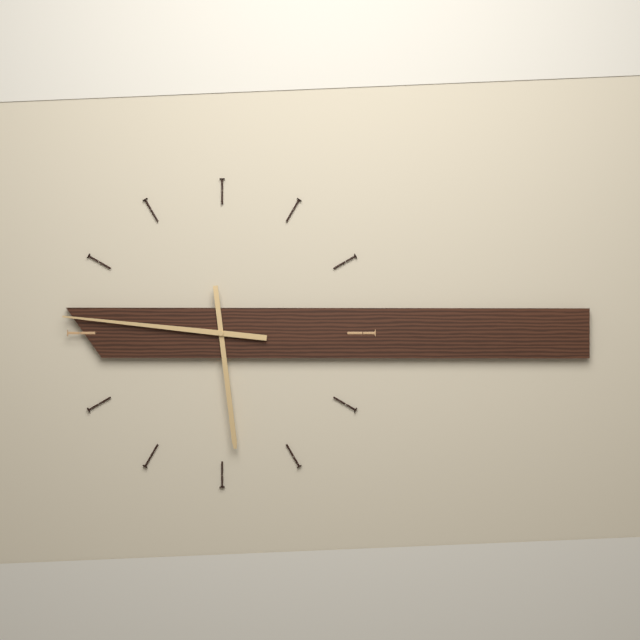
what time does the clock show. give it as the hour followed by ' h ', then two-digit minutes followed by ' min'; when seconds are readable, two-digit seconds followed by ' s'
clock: 5 h 46 min
